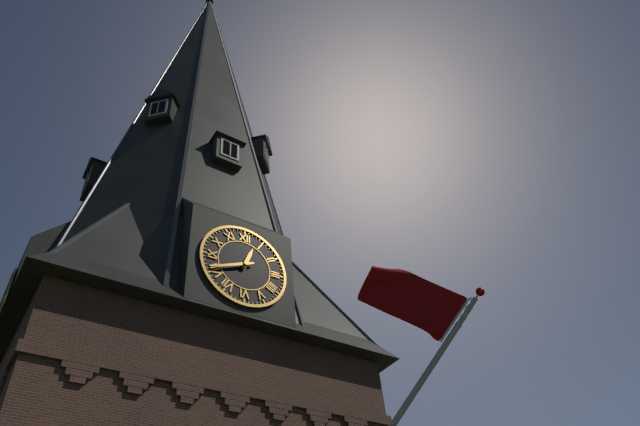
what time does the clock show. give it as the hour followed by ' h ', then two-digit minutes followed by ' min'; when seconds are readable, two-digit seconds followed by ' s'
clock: 12 h 41 min
